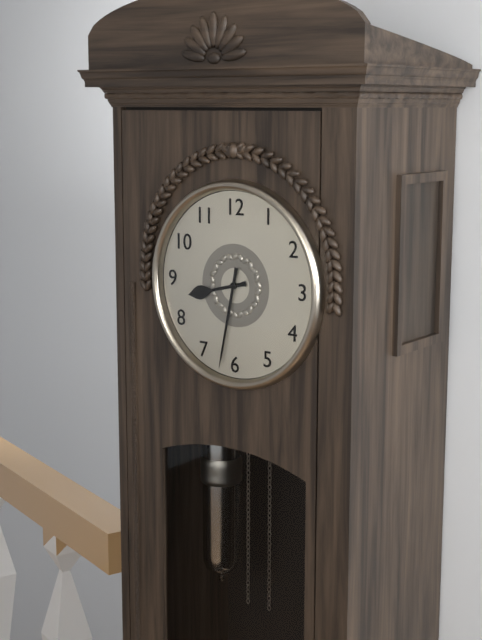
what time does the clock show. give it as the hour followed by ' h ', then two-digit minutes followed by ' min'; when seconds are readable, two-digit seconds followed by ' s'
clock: 8 h 32 min
